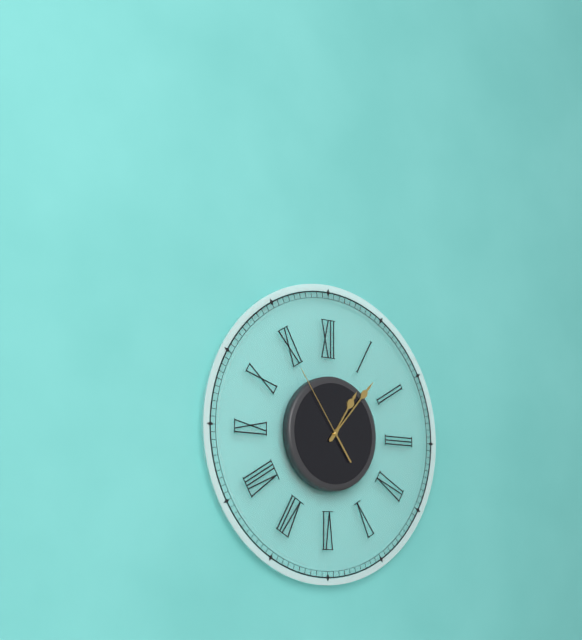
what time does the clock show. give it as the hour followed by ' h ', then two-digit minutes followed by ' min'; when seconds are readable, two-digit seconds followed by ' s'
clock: 1 h 07 min 54 s
